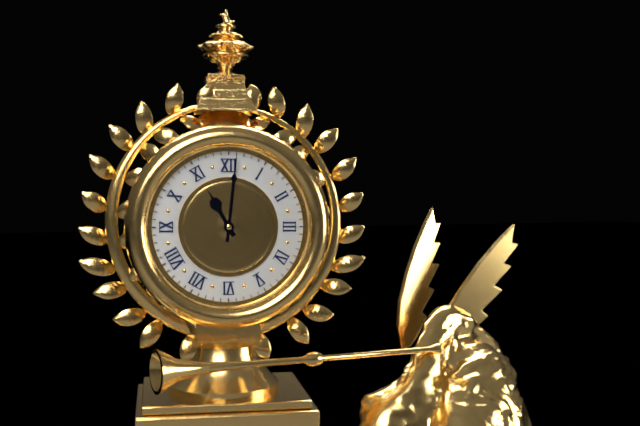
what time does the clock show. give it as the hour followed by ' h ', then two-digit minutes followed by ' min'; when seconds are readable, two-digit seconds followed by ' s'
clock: 11 h 01 min
